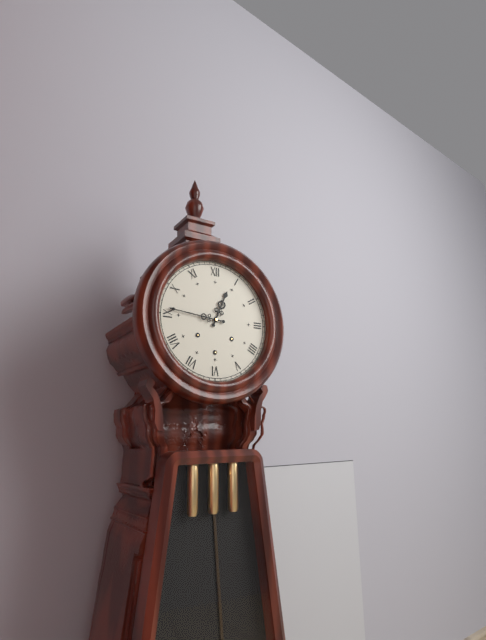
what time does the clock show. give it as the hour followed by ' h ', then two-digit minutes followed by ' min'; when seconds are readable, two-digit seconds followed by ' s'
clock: 12 h 46 min
